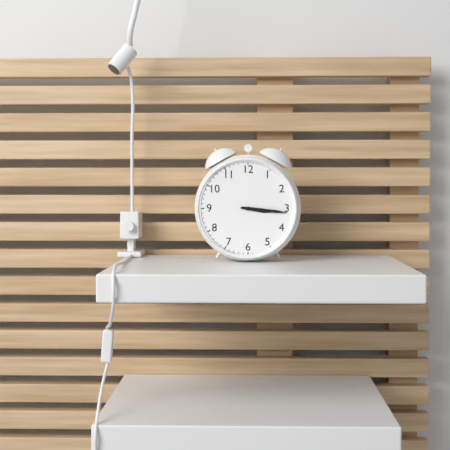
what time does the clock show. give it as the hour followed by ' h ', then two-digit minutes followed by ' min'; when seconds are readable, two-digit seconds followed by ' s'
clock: 3 h 16 min
